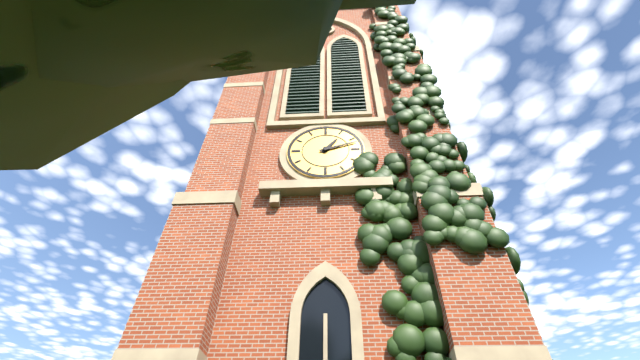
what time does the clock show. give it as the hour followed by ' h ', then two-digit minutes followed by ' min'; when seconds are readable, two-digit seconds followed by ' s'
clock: 1 h 12 min
